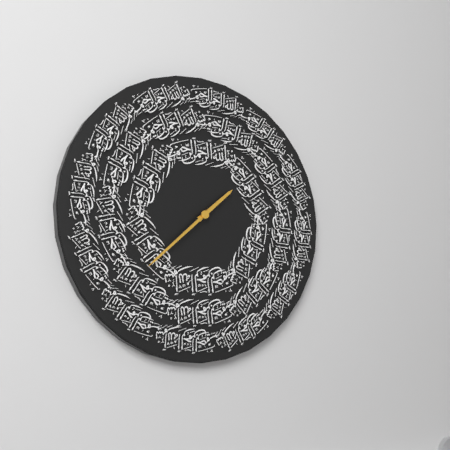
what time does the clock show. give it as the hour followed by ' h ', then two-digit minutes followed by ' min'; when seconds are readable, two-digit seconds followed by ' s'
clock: 1 h 38 min
